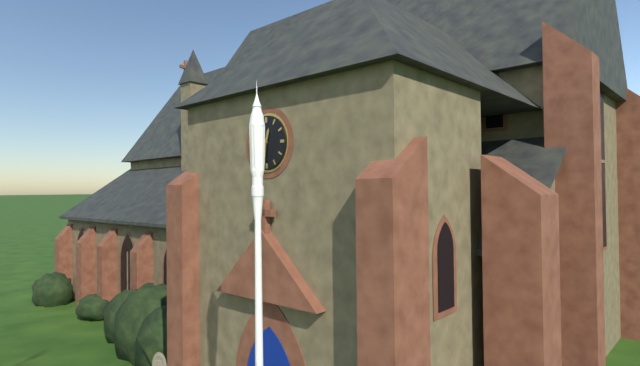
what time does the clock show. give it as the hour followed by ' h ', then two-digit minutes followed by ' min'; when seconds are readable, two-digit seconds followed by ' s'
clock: 12 h 31 min
